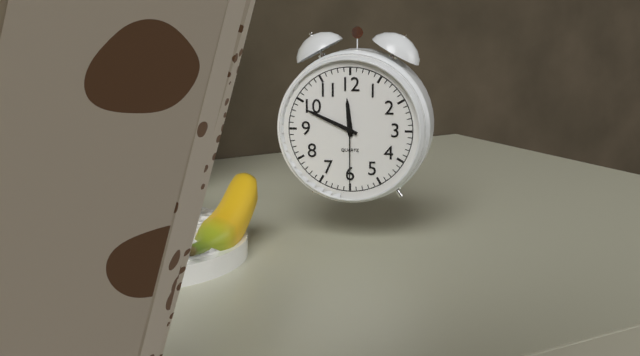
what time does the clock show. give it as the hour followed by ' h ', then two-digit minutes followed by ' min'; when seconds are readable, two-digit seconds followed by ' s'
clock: 11 h 49 min 30 s
